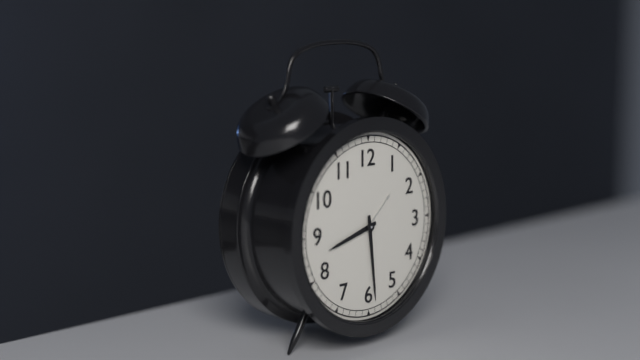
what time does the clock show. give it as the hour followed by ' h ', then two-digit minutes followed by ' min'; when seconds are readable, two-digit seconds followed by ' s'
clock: 8 h 29 min
